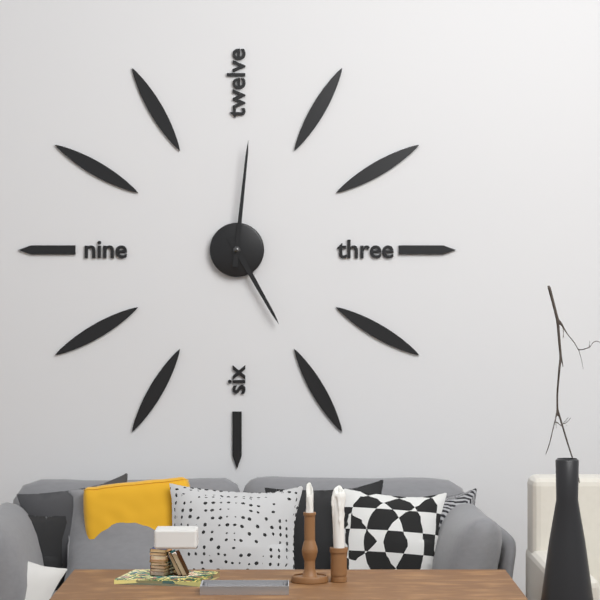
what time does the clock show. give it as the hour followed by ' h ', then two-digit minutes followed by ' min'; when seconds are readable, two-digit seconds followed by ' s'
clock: 5 h 01 min
